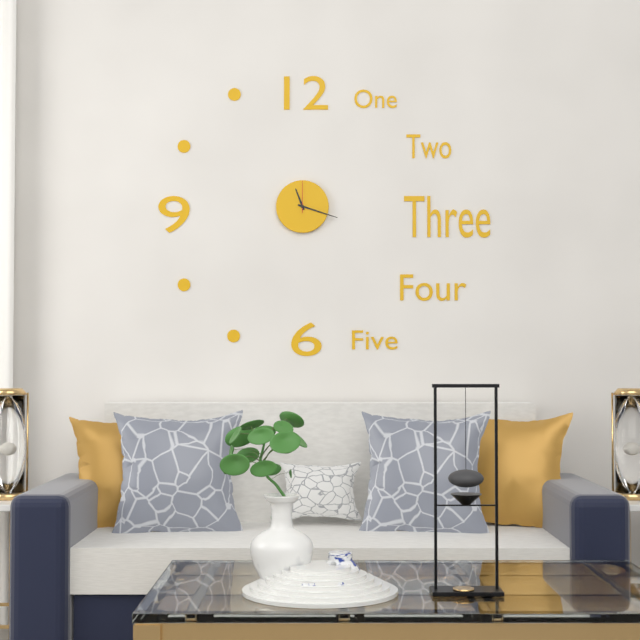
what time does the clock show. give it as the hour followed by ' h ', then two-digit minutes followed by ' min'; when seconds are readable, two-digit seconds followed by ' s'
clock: 11 h 18 min
